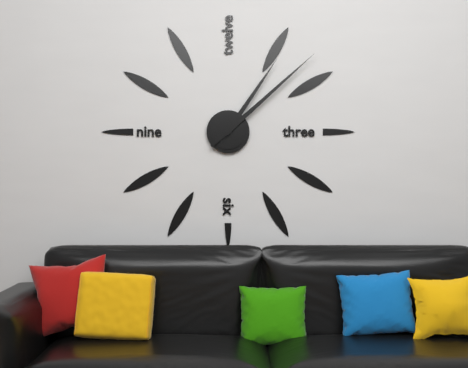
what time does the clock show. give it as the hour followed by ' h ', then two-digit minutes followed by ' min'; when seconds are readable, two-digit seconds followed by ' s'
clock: 1 h 08 min
